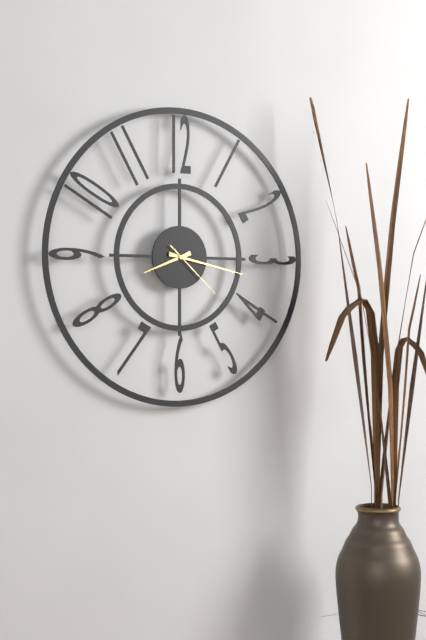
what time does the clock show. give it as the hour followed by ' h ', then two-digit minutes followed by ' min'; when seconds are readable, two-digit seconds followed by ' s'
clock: 8 h 17 min 22 s
